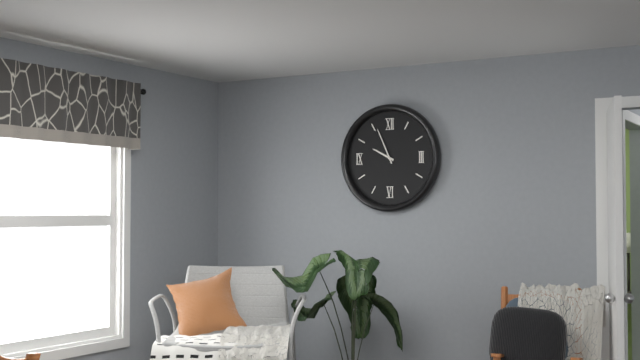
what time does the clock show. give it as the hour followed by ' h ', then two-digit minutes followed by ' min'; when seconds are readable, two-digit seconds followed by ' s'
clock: 9 h 56 min
